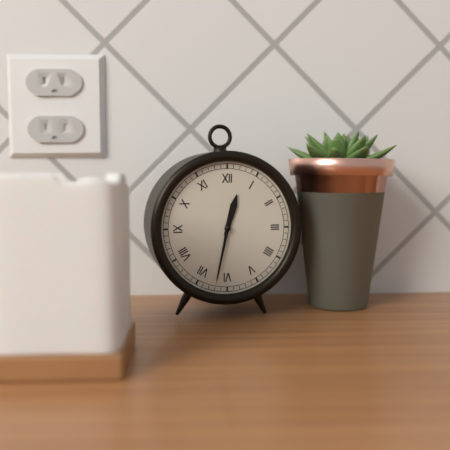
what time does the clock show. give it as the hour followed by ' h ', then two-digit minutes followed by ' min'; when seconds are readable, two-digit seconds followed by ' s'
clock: 12 h 32 min
